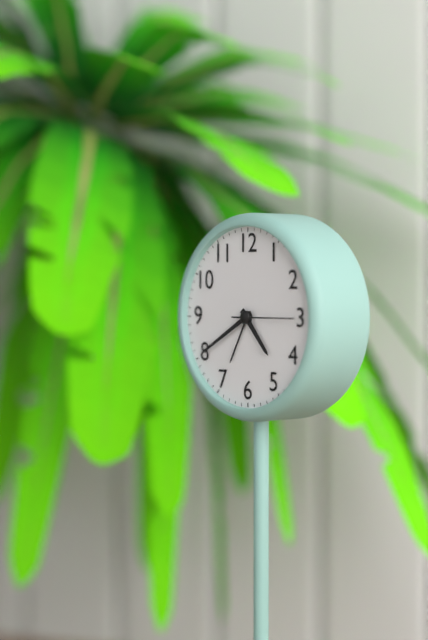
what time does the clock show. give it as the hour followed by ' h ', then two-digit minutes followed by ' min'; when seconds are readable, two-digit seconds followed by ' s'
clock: 4 h 40 min 15 s
